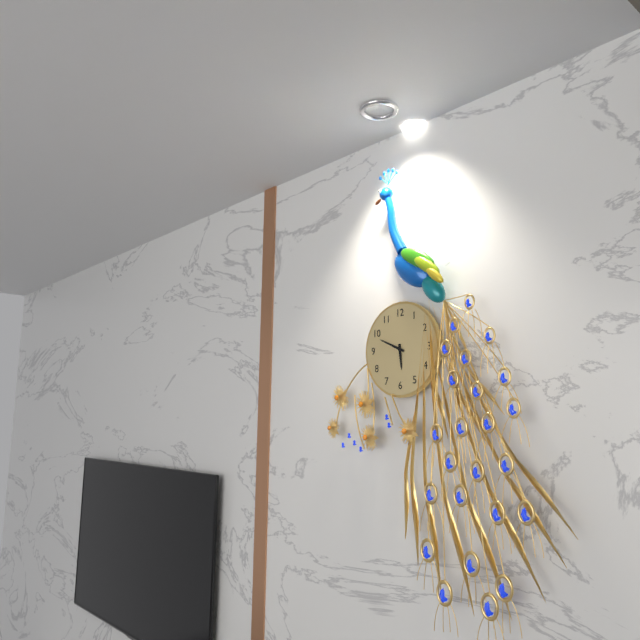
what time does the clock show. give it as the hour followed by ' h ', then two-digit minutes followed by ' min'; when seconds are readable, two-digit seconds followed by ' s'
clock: 5 h 49 min
